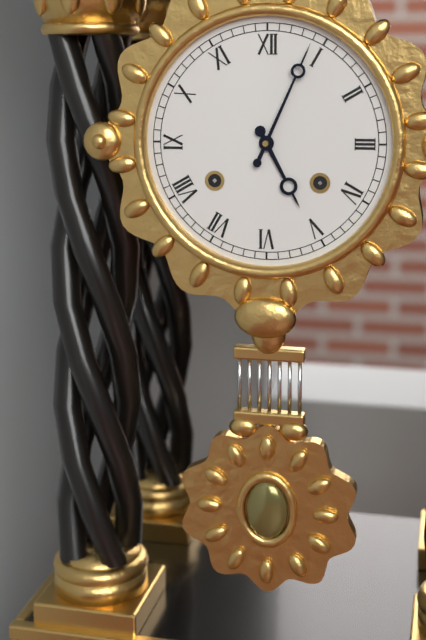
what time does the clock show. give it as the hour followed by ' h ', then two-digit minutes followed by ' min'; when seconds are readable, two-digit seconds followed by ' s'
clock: 5 h 04 min
